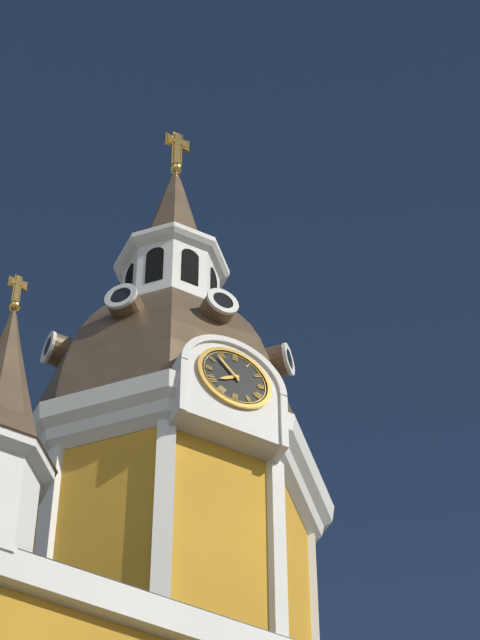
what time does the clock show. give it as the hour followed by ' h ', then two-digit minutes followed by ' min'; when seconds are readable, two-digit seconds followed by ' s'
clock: 7 h 53 min
